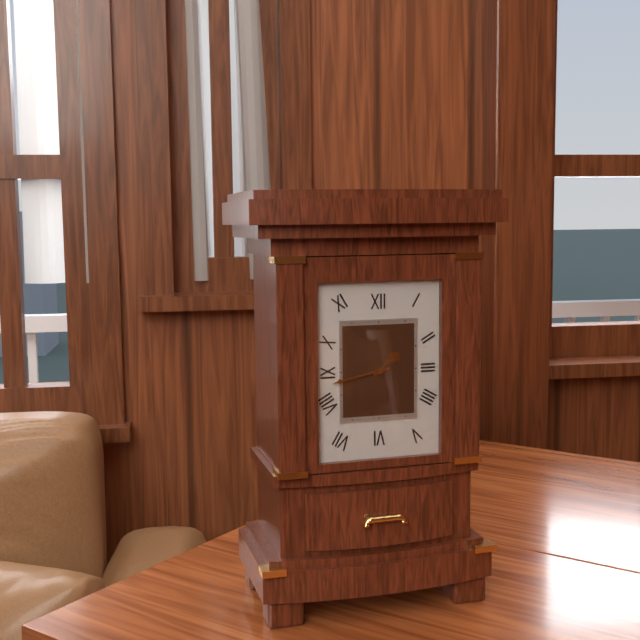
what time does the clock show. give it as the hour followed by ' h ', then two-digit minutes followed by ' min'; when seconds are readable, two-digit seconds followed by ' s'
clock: 1 h 43 min
